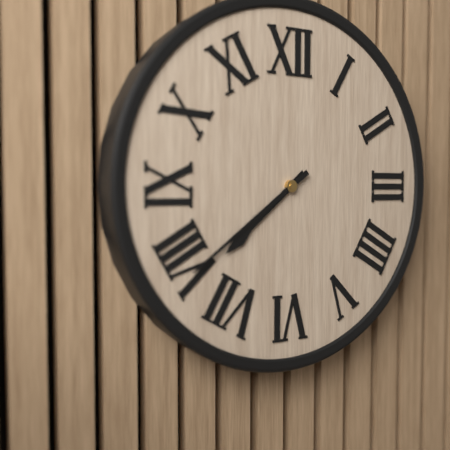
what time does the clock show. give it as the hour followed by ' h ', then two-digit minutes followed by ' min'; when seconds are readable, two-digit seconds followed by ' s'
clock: 7 h 39 min
